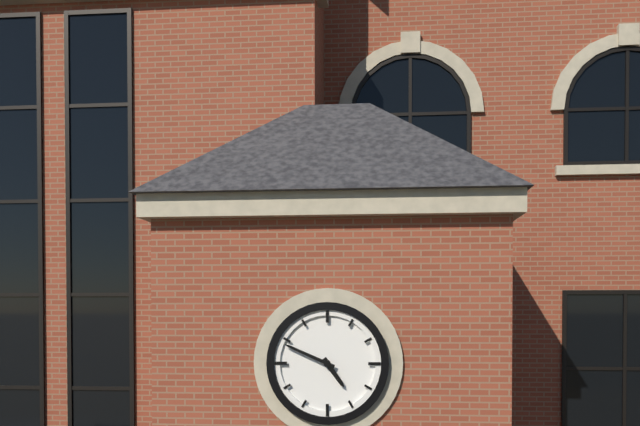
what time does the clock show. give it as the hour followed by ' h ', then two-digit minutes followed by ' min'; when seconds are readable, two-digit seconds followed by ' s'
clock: 4 h 49 min
